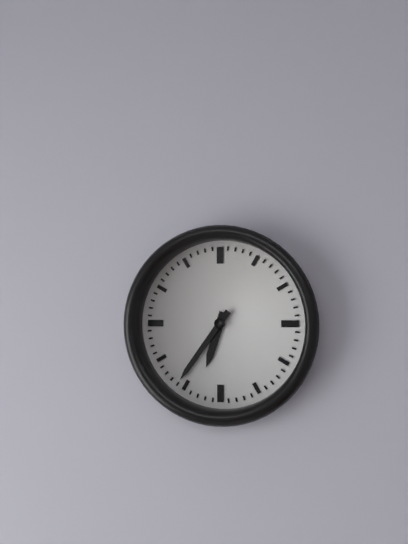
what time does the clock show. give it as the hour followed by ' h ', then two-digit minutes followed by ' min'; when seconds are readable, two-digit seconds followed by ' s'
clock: 6 h 36 min
